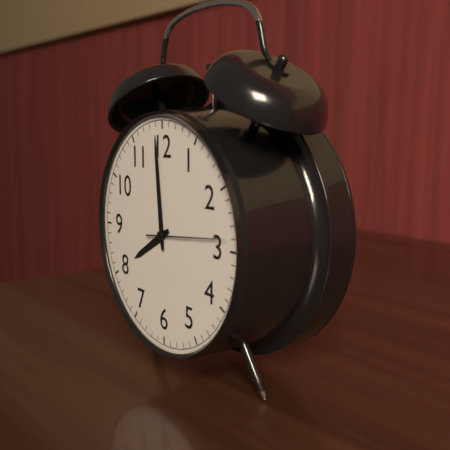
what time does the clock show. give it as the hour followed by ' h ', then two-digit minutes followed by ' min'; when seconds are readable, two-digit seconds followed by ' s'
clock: 7 h 59 min
